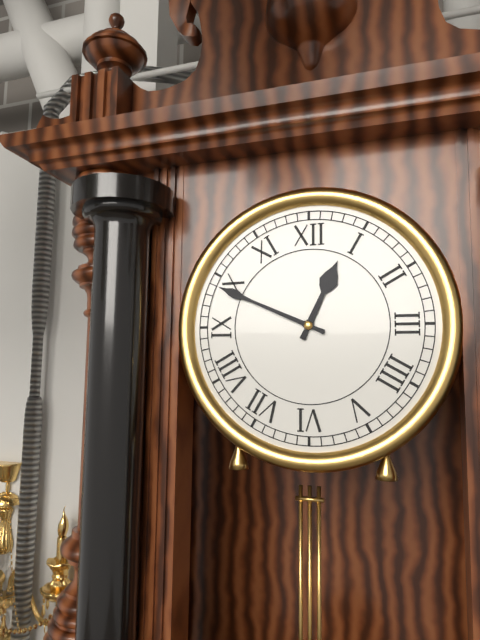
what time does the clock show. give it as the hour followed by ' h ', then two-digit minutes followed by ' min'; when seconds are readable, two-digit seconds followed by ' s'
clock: 12 h 49 min
